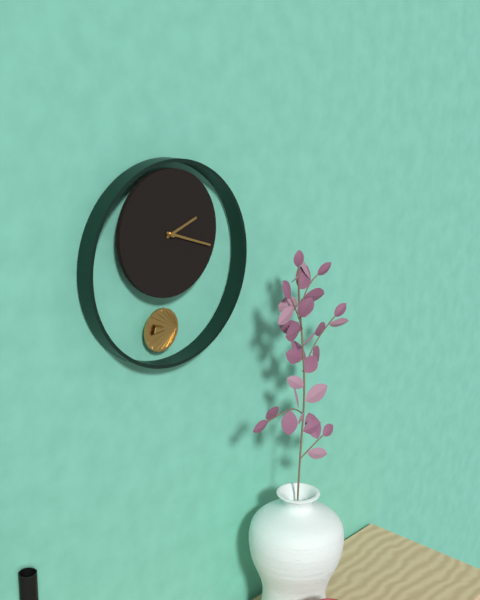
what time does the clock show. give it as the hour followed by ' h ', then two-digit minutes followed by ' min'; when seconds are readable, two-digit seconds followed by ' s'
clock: 2 h 18 min
